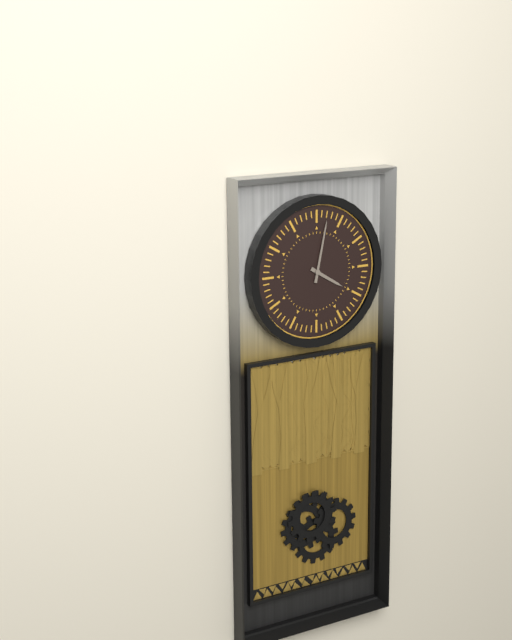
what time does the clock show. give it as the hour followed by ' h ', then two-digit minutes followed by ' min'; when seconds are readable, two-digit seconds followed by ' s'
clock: 4 h 02 min
